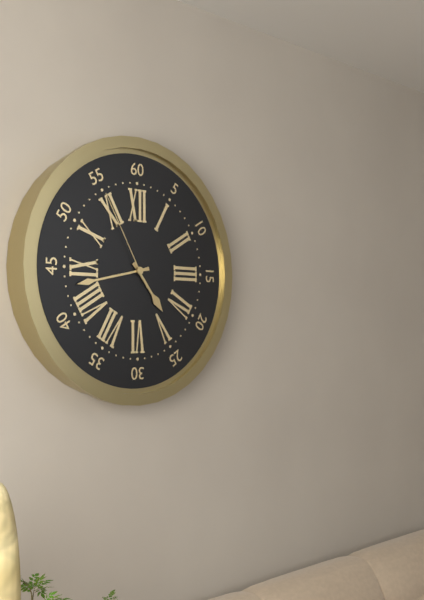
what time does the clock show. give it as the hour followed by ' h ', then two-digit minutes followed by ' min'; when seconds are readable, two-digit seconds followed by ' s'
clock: 4 h 43 min 55 s
